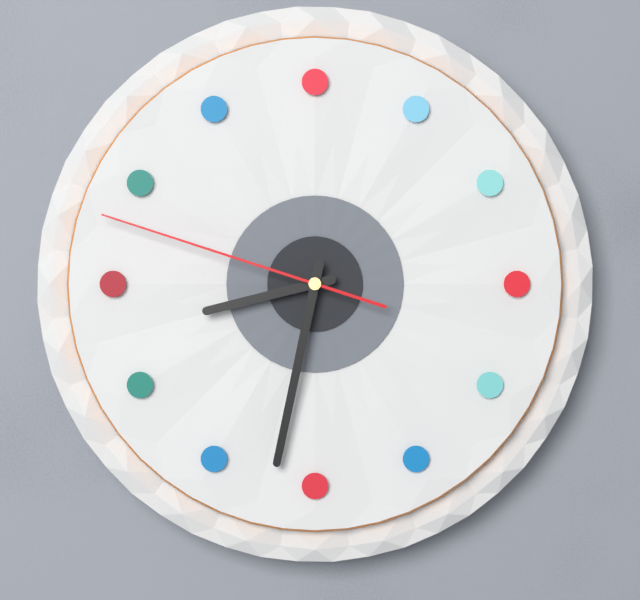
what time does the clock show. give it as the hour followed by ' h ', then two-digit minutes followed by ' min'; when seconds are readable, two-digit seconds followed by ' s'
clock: 8 h 32 min 48 s
